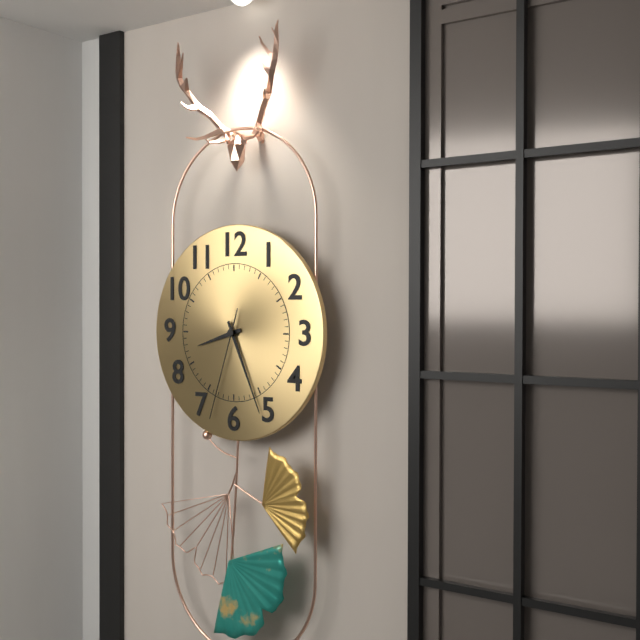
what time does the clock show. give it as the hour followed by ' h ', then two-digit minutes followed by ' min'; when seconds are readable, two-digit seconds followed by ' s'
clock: 8 h 26 min 33 s
